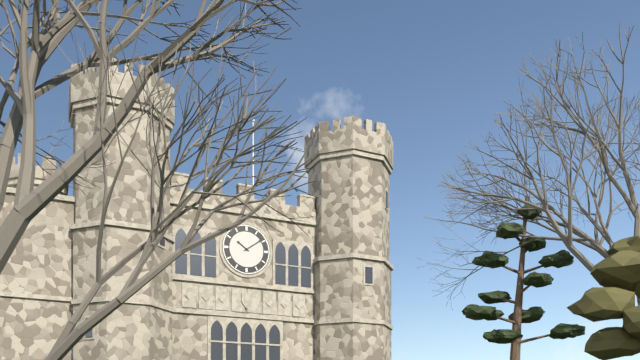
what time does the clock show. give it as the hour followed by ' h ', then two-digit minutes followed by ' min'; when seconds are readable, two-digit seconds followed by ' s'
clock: 10 h 09 min
